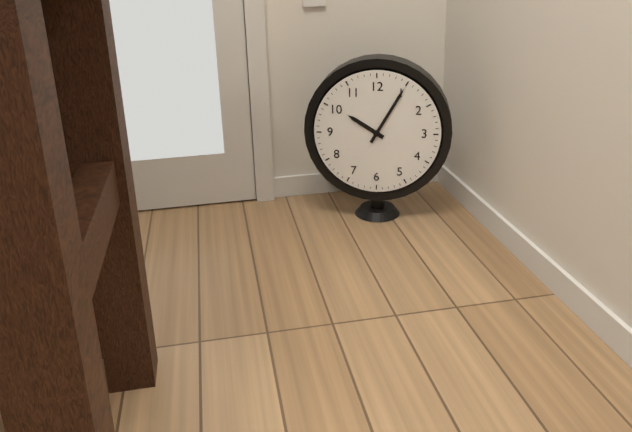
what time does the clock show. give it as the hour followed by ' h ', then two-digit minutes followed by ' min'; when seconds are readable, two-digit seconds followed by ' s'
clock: 10 h 05 min
